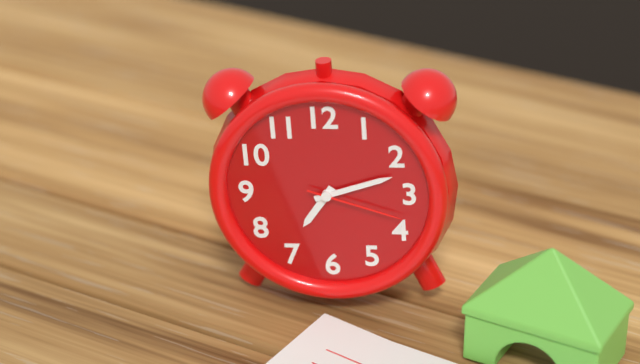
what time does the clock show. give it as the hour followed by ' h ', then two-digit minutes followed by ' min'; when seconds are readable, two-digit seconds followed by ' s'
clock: 7 h 12 min 18 s
